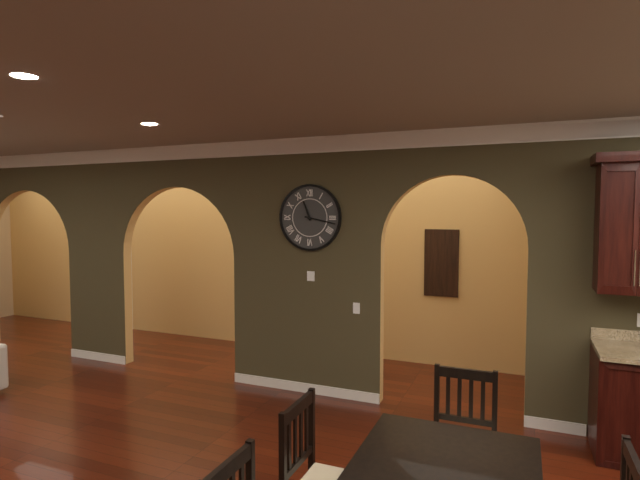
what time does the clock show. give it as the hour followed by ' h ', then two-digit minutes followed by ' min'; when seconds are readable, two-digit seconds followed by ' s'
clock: 11 h 17 min
